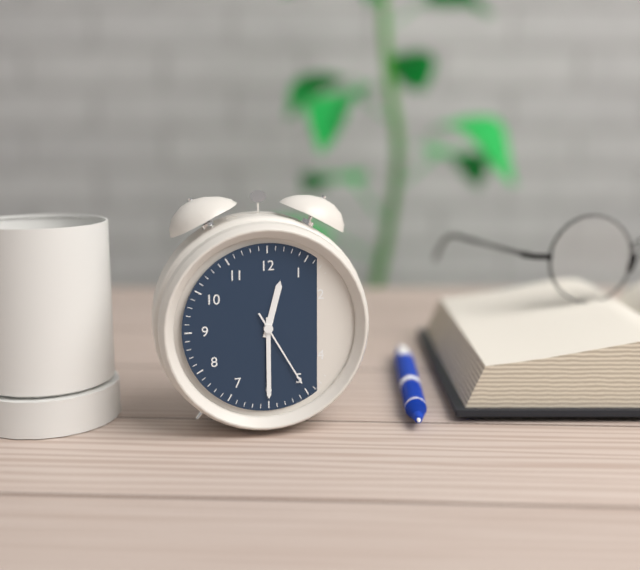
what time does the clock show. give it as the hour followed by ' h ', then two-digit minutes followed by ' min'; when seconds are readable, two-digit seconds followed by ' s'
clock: 12 h 30 min 25 s
